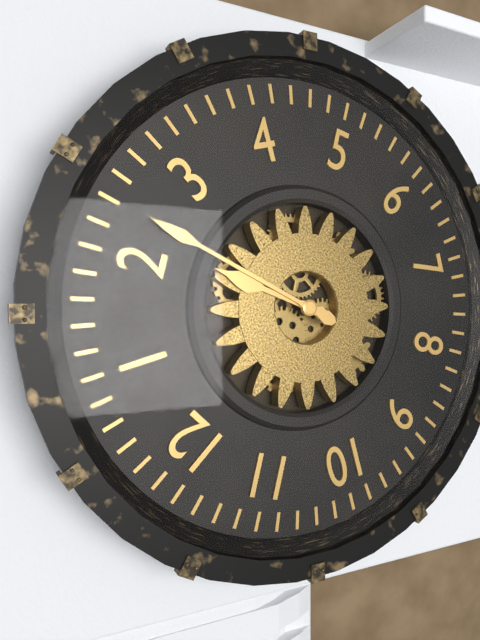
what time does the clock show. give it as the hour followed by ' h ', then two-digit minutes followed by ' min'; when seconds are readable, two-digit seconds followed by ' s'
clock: 2 h 12 min
